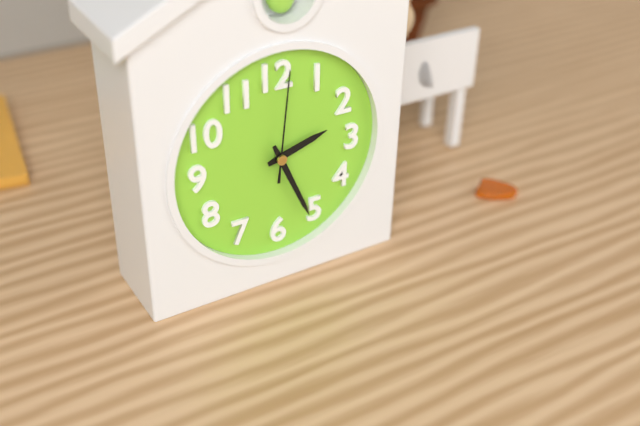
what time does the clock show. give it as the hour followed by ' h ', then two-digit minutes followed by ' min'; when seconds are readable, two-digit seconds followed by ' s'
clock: 2 h 26 min 01 s
